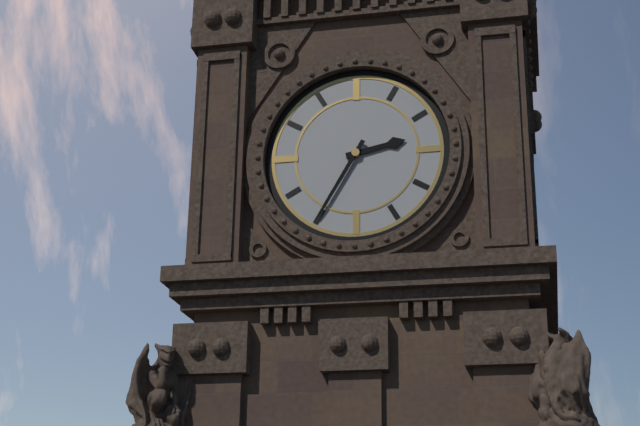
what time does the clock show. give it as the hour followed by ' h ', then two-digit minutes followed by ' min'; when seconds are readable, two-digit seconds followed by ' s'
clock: 2 h 35 min
